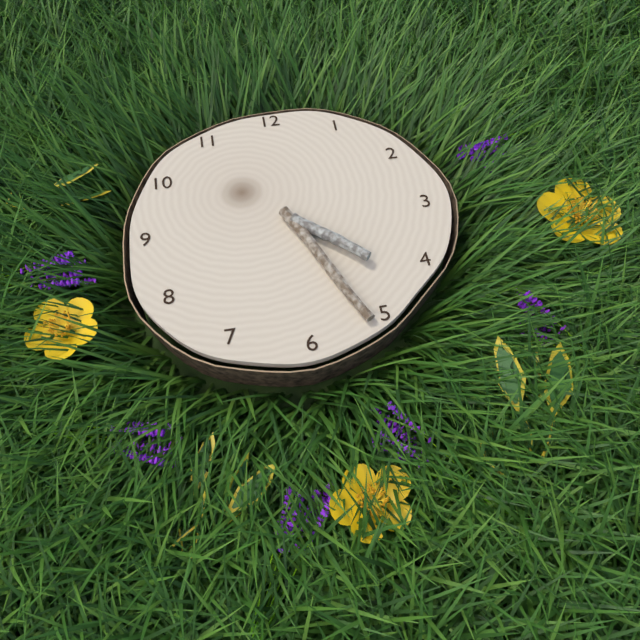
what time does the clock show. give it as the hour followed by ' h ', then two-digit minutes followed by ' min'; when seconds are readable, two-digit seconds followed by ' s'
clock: 4 h 26 min
